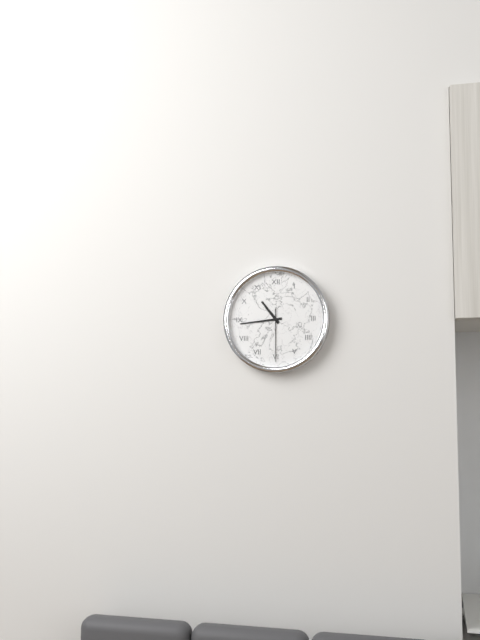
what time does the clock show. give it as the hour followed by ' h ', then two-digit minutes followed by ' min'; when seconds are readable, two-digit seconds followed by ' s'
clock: 10 h 44 min 30 s
